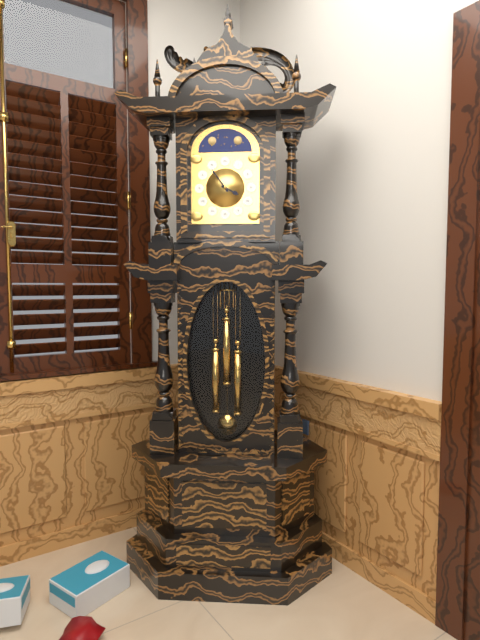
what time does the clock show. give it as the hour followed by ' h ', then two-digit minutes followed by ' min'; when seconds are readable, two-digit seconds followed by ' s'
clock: 3 h 54 min
